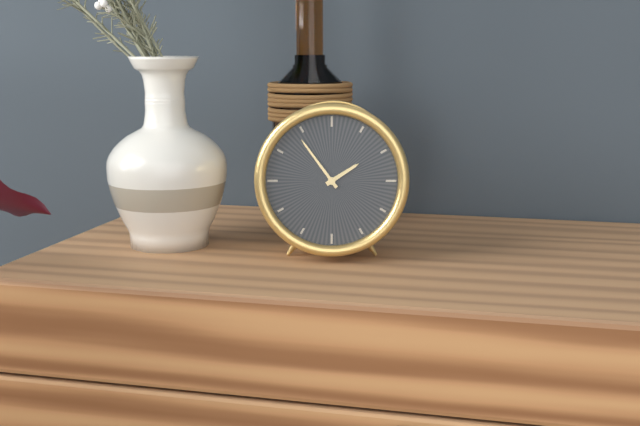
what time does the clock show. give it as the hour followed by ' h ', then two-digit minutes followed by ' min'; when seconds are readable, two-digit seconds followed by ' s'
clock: 1 h 54 min
